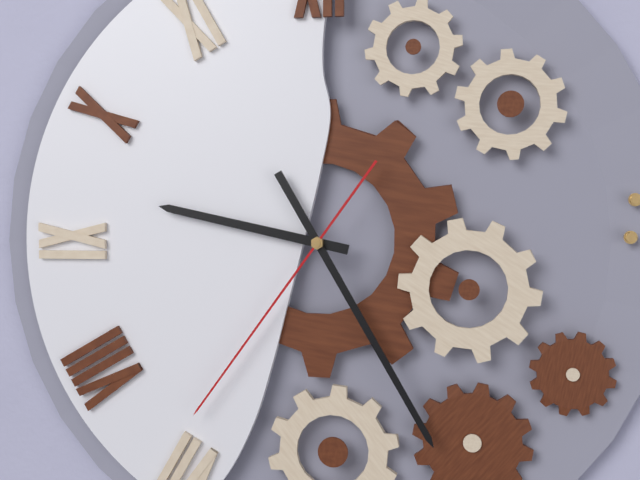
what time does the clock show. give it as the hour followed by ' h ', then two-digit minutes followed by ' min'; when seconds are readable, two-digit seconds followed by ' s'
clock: 9 h 25 min 36 s
